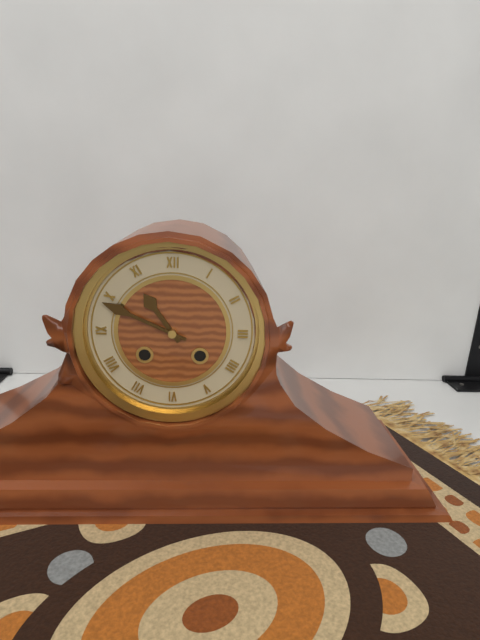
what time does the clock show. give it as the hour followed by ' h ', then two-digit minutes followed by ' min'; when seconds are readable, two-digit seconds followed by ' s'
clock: 10 h 49 min
